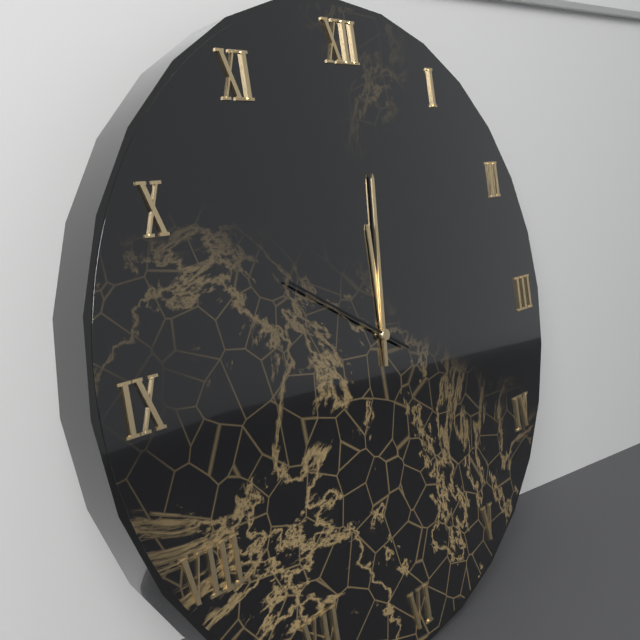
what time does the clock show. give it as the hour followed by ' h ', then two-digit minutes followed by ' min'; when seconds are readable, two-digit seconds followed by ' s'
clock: 12 h 01 min 50 s
